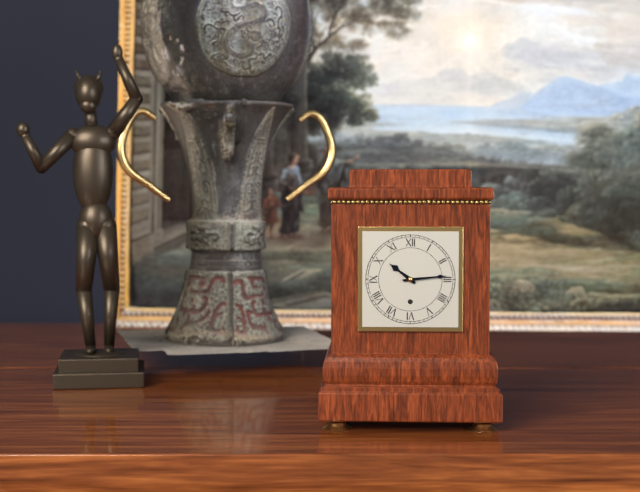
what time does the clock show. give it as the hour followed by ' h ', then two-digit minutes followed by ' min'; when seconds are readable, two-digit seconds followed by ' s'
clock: 10 h 14 min
